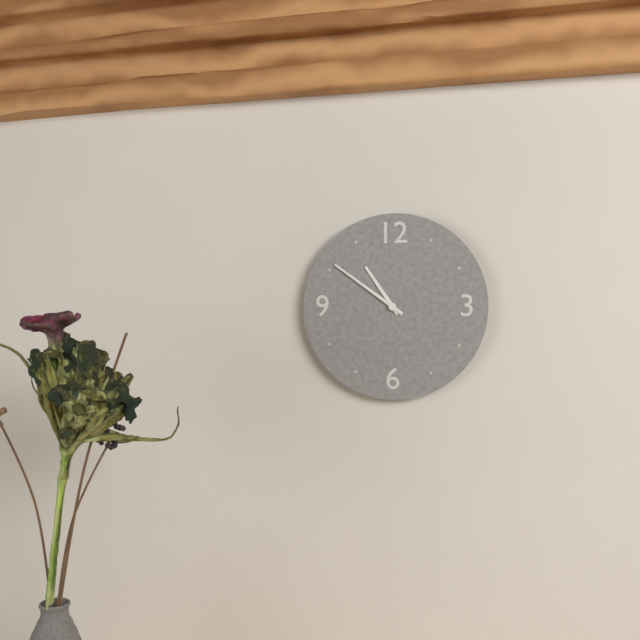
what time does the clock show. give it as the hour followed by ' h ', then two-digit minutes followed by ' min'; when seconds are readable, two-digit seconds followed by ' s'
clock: 10 h 51 min
